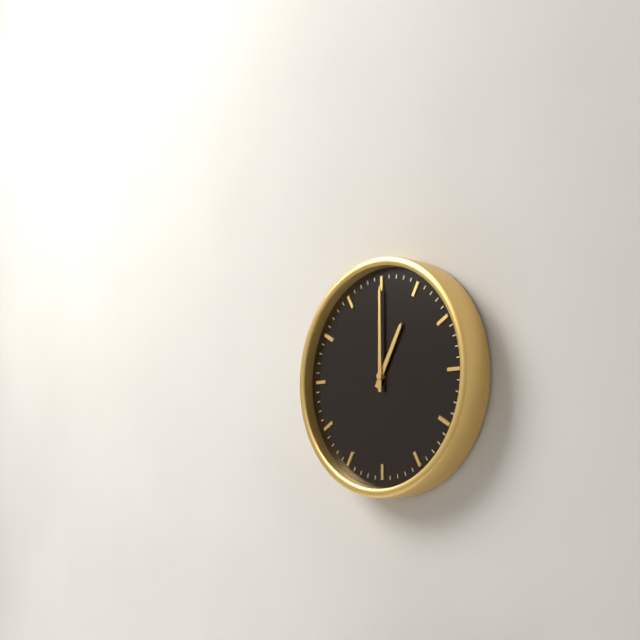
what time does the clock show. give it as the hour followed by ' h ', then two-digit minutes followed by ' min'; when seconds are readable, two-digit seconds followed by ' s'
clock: 1 h 00 min
